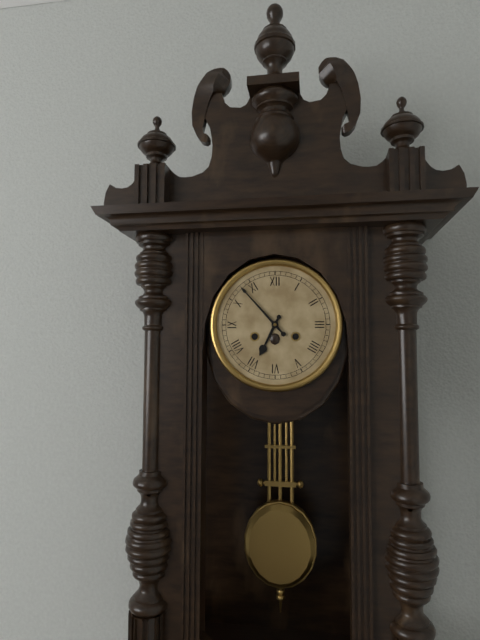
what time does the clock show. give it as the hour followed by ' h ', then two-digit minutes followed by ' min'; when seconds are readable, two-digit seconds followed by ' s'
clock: 6 h 53 min
